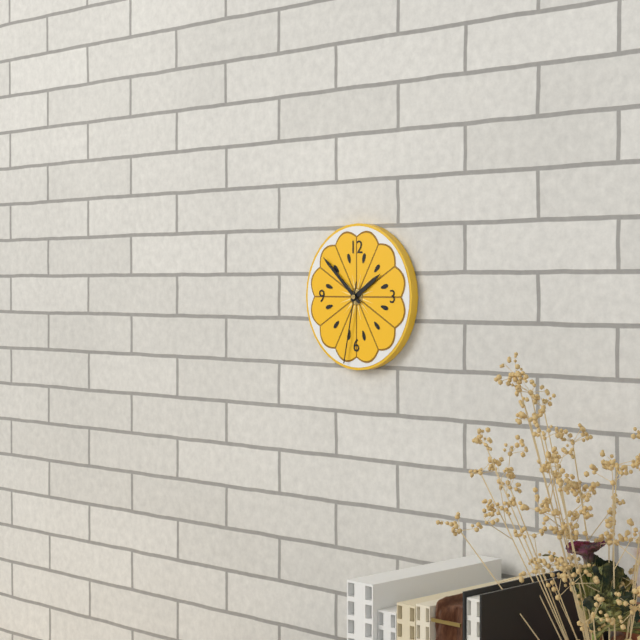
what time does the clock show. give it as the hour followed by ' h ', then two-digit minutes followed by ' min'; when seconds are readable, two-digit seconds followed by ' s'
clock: 1 h 52 min 32 s
